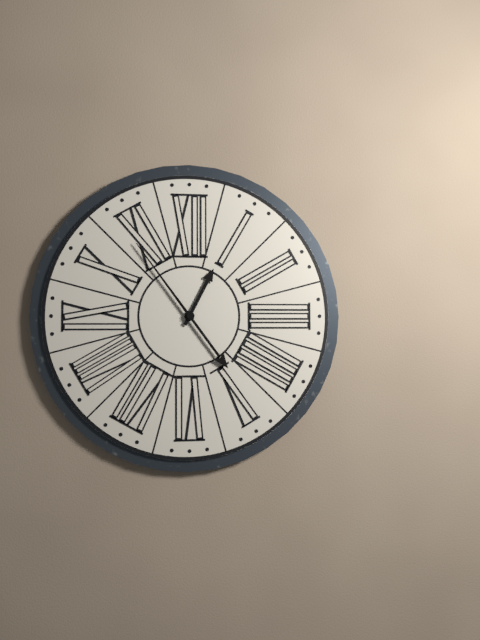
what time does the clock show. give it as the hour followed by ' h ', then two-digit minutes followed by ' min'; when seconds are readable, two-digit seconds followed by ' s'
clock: 12 h 54 min
